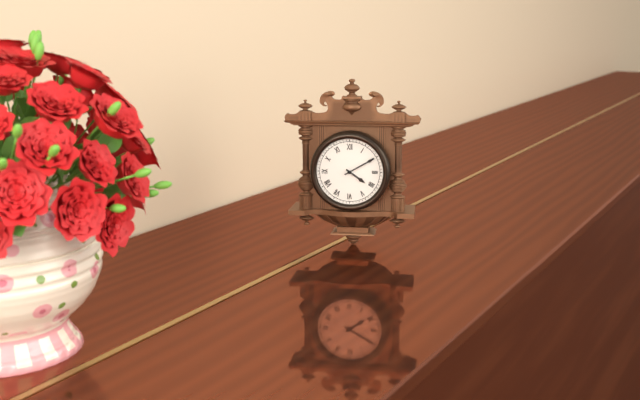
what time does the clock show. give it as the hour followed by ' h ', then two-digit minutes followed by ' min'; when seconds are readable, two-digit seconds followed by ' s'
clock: 4 h 10 min
